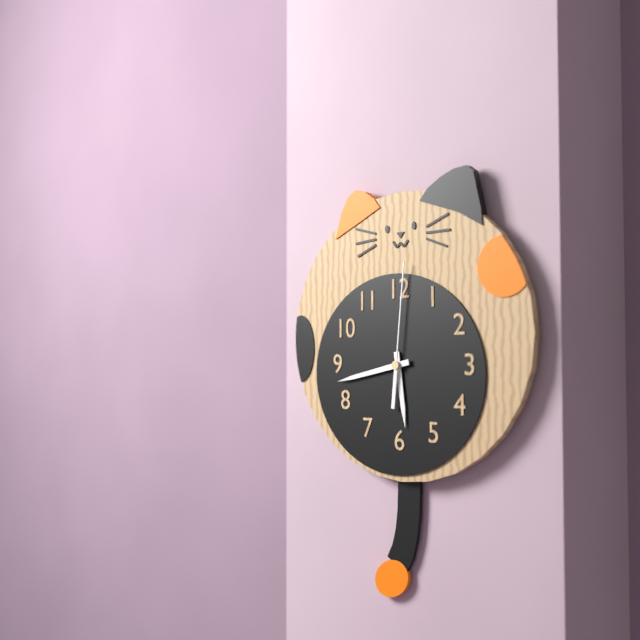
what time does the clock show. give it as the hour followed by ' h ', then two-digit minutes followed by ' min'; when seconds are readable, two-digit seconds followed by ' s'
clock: 5 h 43 min 01 s
